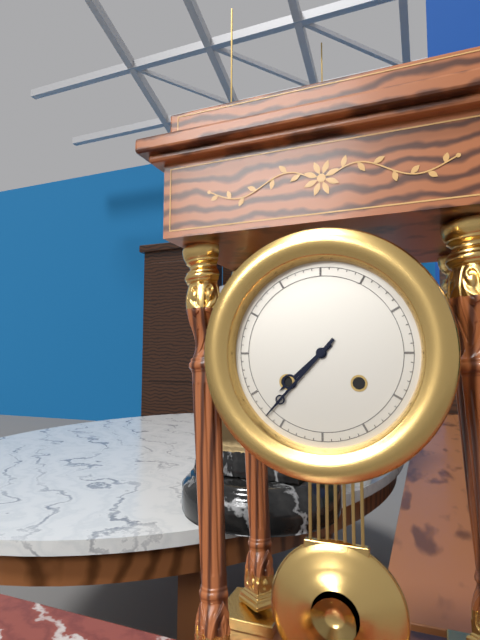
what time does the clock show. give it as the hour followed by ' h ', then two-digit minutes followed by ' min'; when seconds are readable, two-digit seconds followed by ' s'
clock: 7 h 37 min
